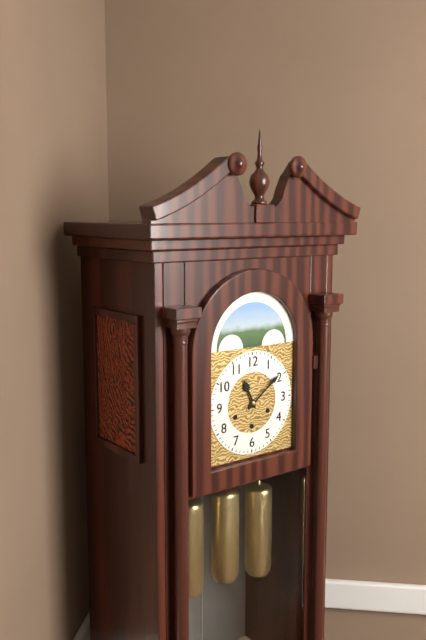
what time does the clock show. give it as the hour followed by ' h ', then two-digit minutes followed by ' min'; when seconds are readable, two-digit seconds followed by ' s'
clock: 11 h 09 min
